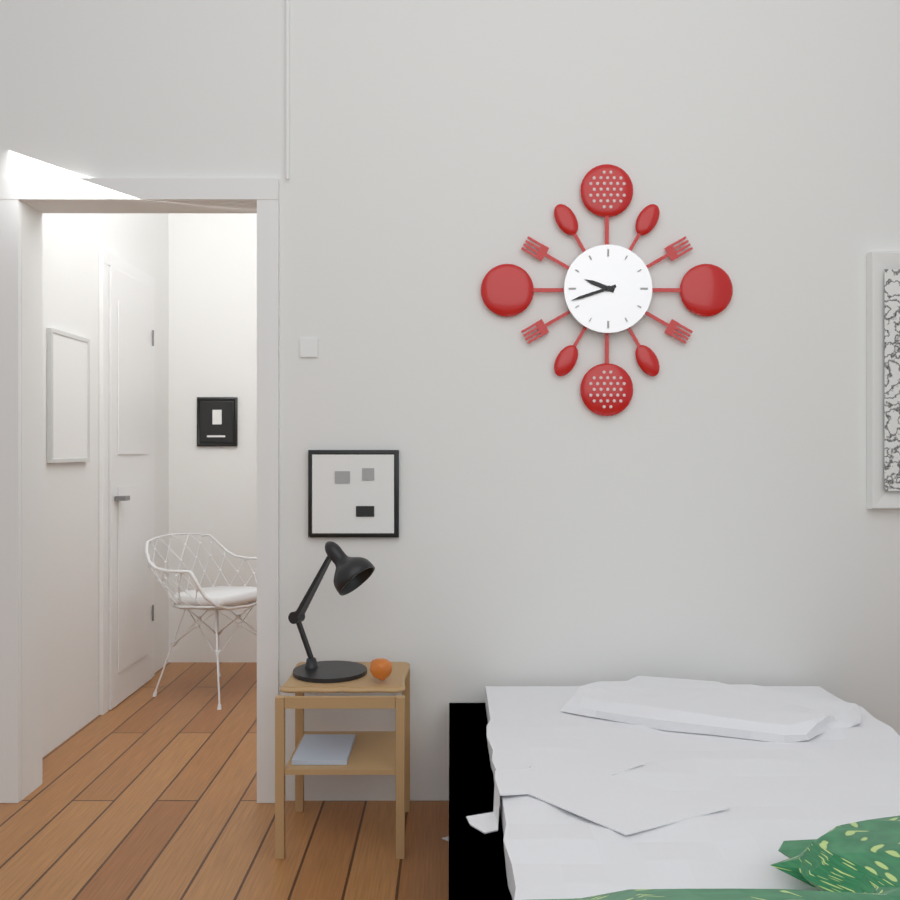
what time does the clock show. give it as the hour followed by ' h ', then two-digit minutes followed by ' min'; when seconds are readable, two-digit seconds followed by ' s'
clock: 9 h 42 min
